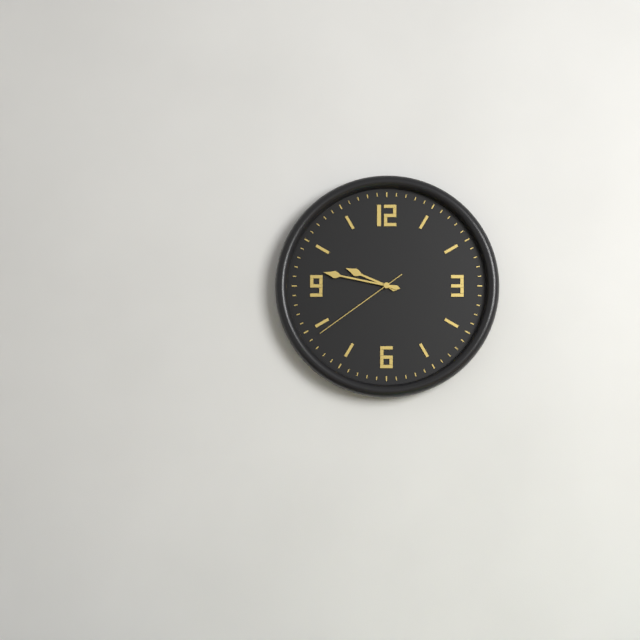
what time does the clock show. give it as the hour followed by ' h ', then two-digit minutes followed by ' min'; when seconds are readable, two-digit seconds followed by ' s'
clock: 9 h 47 min 39 s
